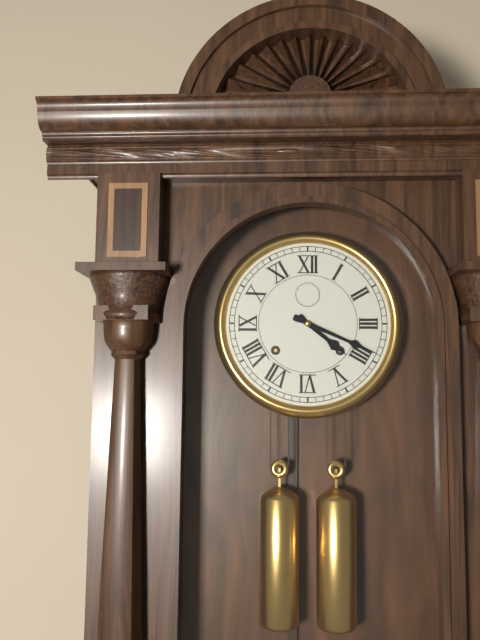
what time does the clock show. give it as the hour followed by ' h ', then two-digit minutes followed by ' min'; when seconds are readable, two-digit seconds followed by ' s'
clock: 4 h 19 min
